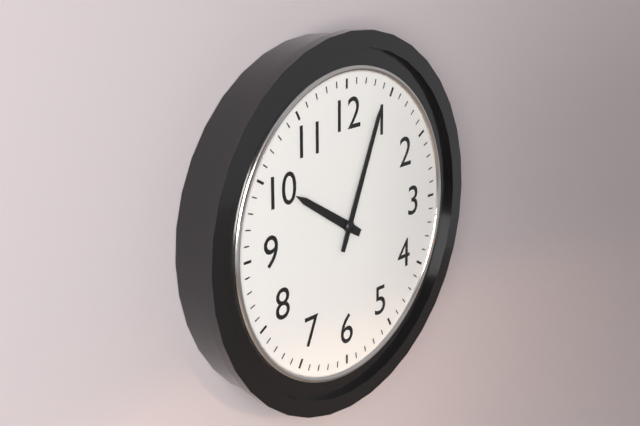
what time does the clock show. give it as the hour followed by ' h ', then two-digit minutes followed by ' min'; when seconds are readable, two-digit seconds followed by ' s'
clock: 10 h 04 min
